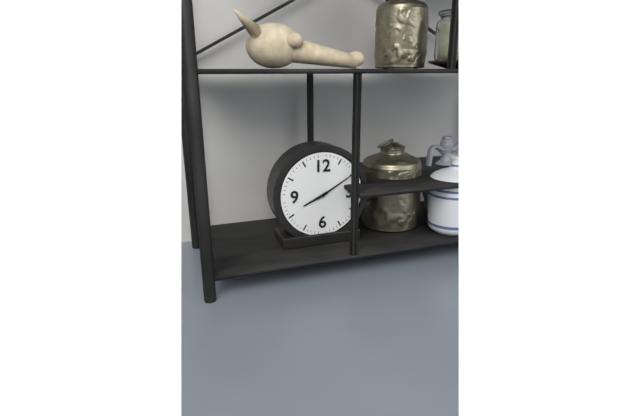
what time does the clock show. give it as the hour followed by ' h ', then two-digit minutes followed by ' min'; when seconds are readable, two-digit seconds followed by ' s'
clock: 8 h 10 min
